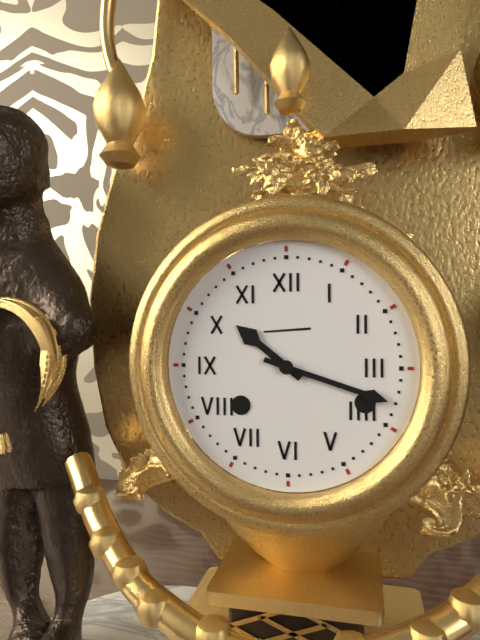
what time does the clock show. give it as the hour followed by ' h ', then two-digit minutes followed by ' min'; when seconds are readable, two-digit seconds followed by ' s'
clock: 10 h 18 min
